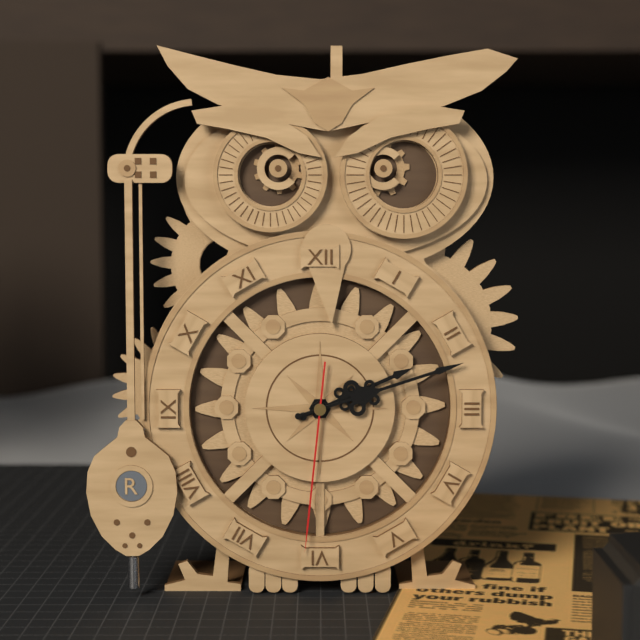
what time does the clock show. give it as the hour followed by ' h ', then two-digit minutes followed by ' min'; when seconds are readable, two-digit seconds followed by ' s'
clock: 2 h 12 min 31 s
